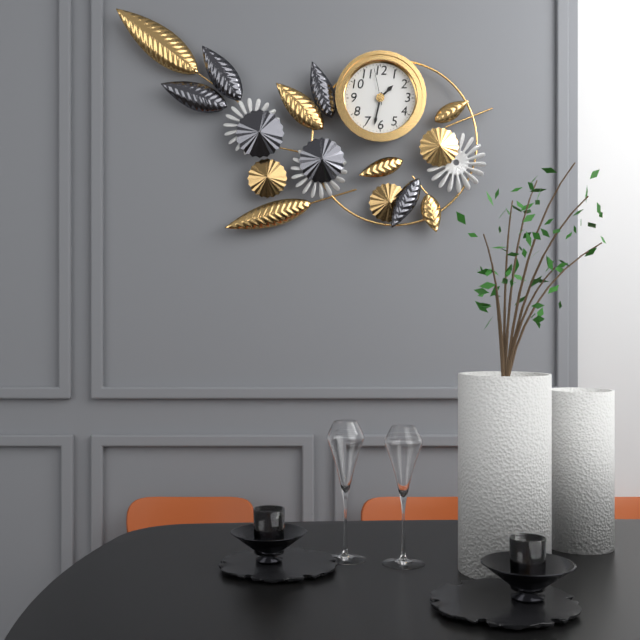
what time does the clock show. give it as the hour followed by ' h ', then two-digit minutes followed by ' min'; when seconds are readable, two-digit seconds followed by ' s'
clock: 1 h 32 min
